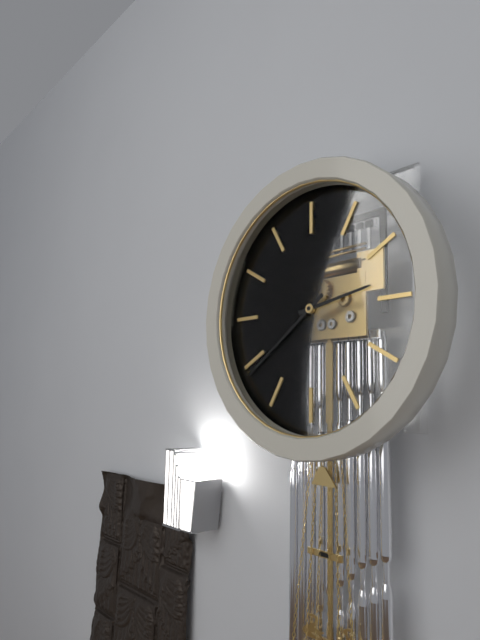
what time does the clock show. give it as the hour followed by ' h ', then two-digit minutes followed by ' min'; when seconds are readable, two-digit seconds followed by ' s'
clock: 2 h 39 min
